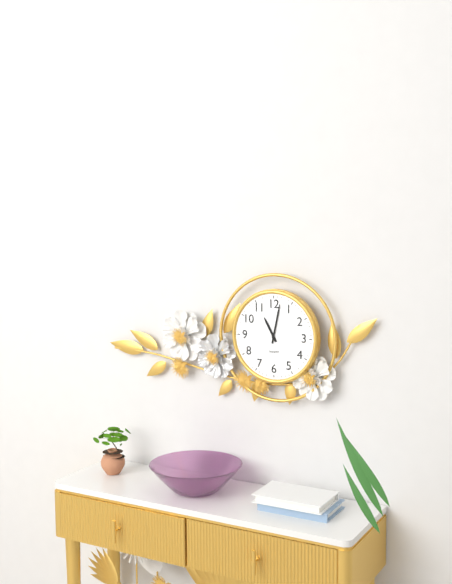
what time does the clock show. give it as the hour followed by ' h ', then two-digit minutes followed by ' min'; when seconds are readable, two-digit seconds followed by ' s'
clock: 11 h 02 min
